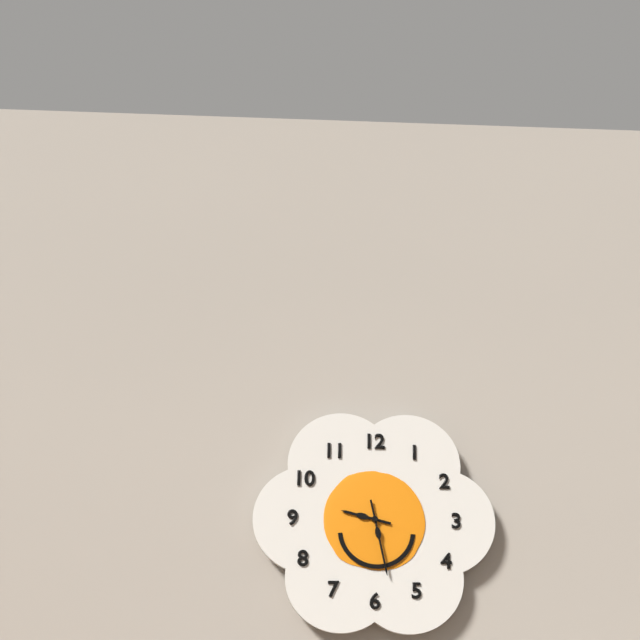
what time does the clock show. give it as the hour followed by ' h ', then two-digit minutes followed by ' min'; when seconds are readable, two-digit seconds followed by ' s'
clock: 9 h 28 min
